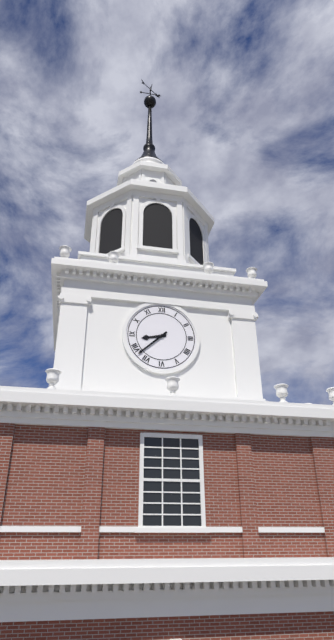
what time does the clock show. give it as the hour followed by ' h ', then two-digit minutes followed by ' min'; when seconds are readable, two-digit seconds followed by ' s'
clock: 8 h 38 min
